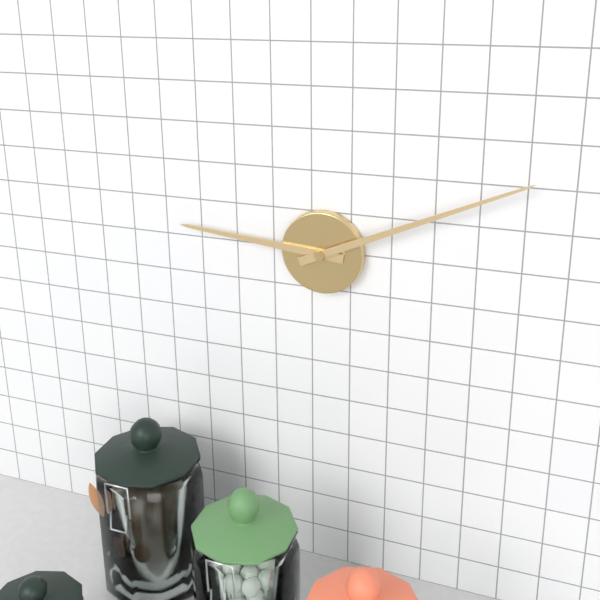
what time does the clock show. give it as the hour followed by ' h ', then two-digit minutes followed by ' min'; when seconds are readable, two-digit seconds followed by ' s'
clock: 9 h 11 min
